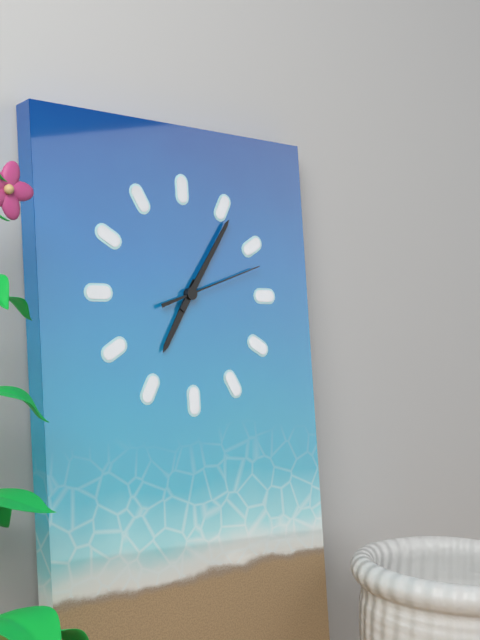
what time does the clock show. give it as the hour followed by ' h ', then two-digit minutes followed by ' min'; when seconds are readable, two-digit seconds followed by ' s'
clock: 7 h 06 min 12 s
